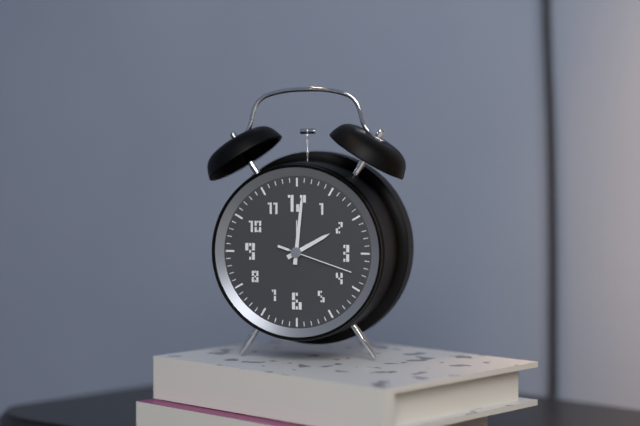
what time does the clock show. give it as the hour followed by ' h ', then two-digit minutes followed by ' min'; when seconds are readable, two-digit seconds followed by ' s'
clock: 2 h 01 min 18 s
